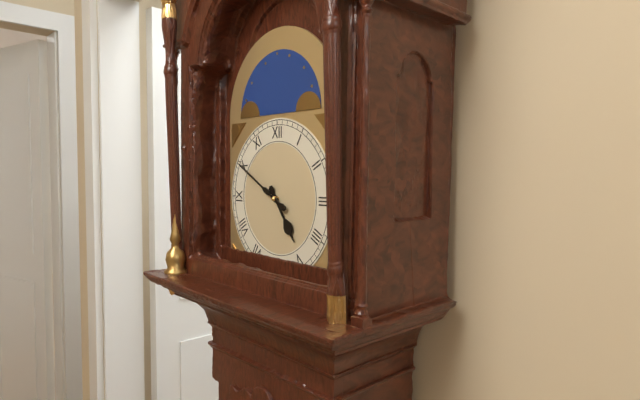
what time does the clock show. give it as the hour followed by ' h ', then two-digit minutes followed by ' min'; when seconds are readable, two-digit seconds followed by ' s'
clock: 4 h 50 min
